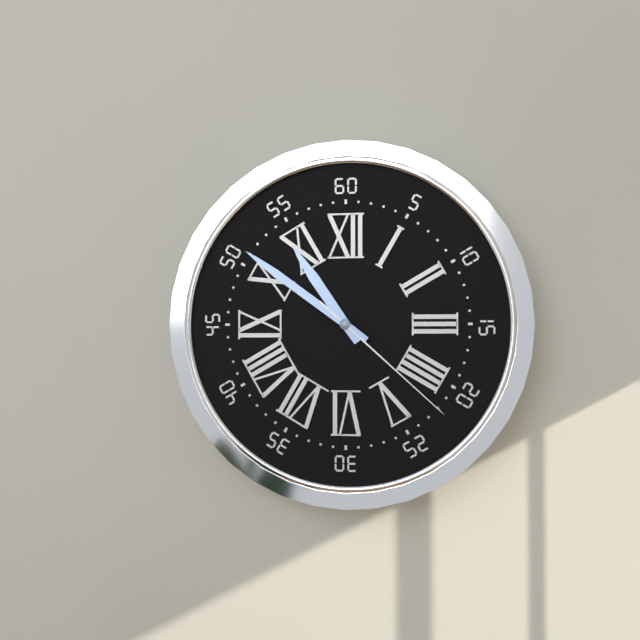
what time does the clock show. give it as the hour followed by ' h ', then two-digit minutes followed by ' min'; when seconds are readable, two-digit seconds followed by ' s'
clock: 10 h 51 min 22 s
